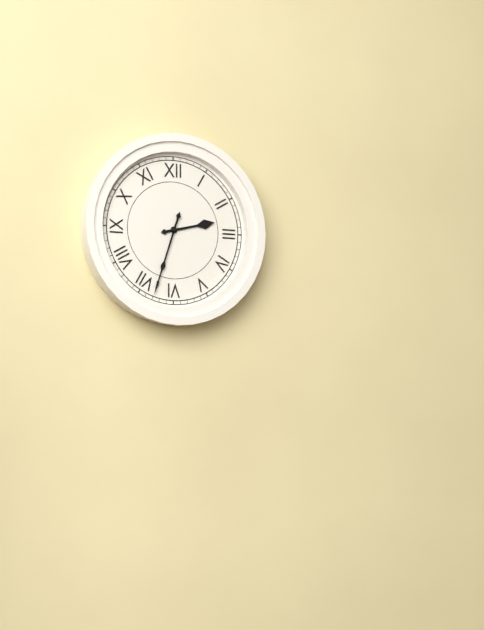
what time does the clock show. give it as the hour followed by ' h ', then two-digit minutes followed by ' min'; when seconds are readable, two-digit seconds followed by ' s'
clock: 2 h 33 min
